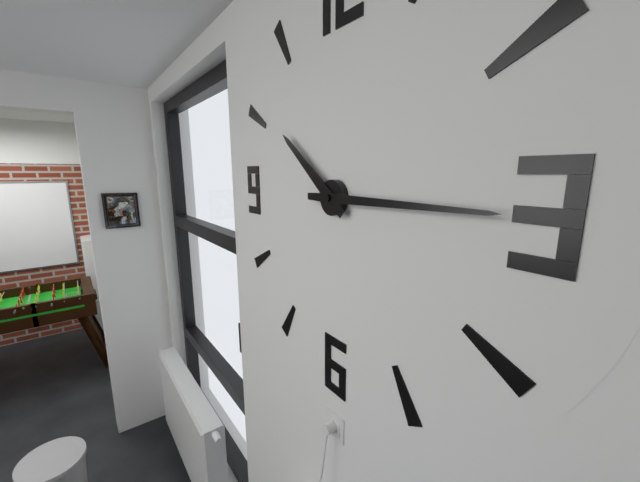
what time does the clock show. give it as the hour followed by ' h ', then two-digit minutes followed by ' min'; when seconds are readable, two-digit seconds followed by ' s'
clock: 10 h 15 min
